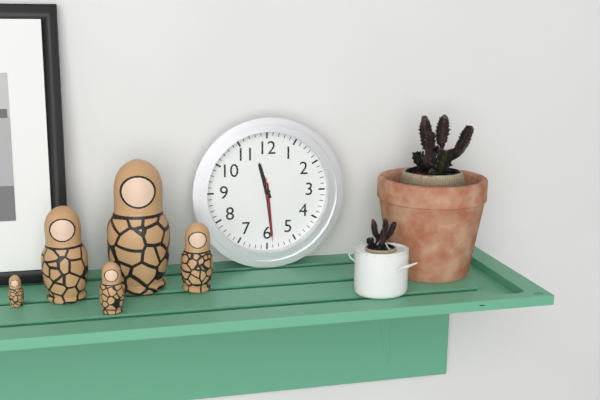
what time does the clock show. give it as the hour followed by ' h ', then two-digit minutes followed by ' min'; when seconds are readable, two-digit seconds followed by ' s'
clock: 11 h 29 min 29 s
